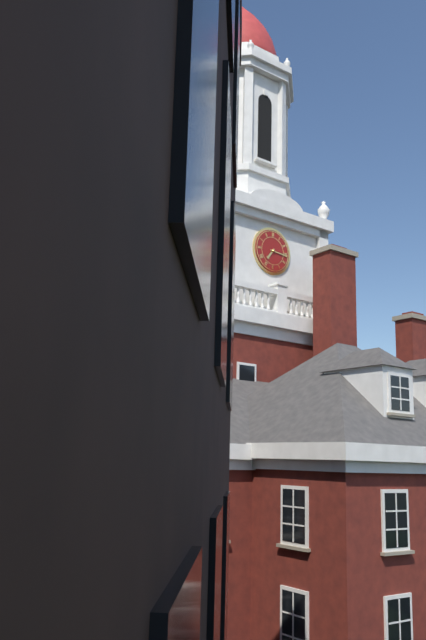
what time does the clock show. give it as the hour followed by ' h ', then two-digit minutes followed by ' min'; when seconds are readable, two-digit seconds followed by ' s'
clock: 7 h 16 min
